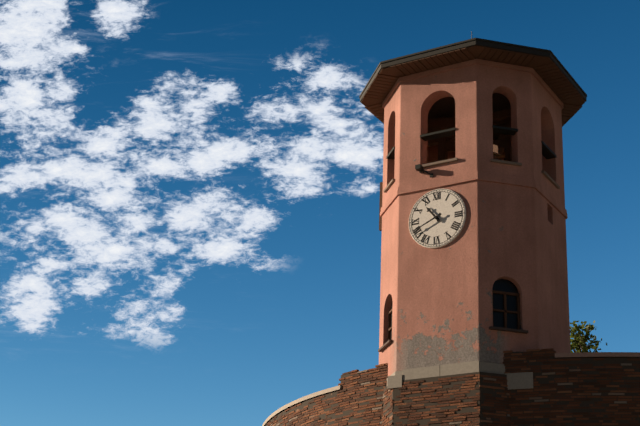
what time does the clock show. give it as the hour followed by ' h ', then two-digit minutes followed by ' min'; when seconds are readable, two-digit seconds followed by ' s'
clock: 10 h 41 min
